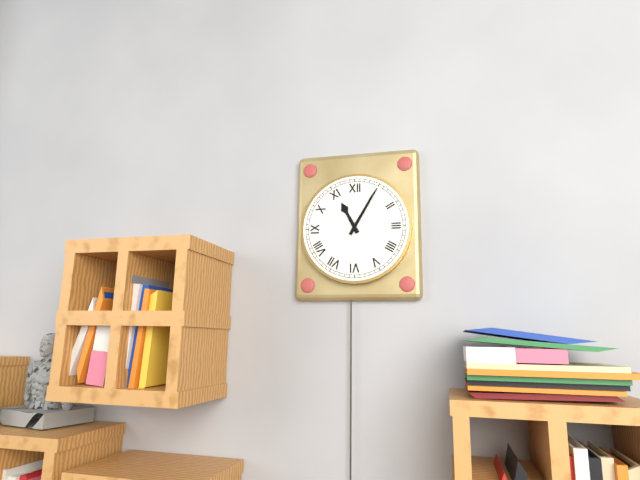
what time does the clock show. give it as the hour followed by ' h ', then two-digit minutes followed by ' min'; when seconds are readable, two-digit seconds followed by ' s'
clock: 11 h 05 min
